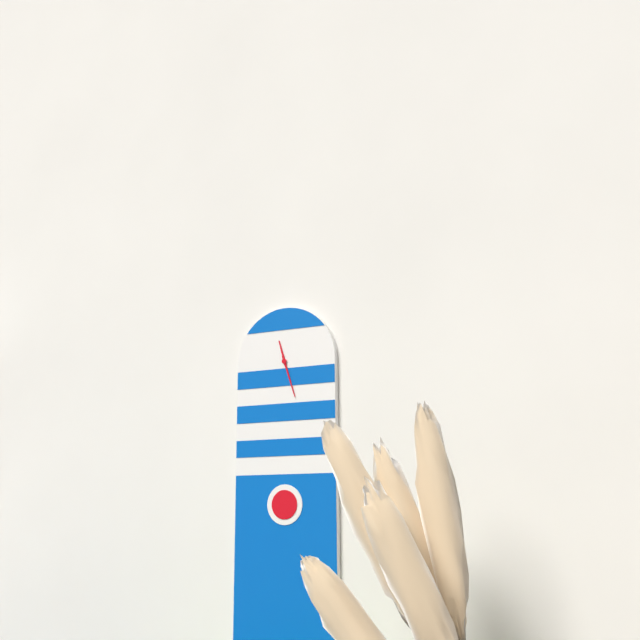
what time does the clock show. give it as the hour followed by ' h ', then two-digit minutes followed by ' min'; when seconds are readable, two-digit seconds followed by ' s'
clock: 11 h 27 min
